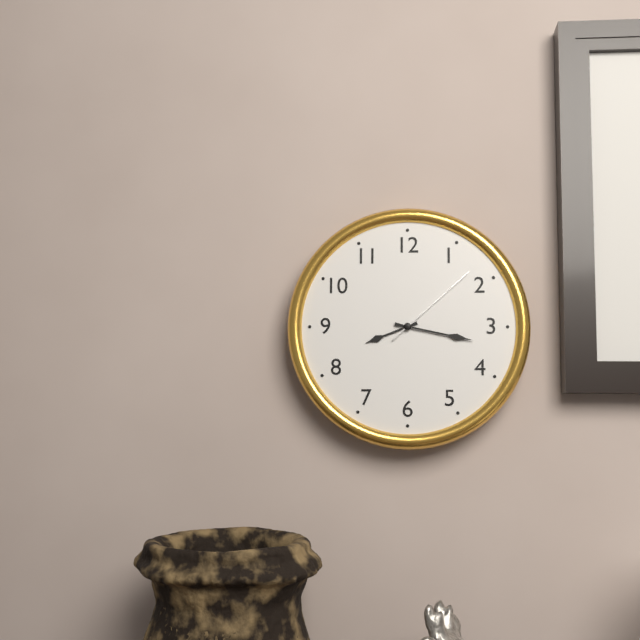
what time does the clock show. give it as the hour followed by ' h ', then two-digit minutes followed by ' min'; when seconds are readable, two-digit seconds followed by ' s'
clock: 8 h 17 min 08 s
